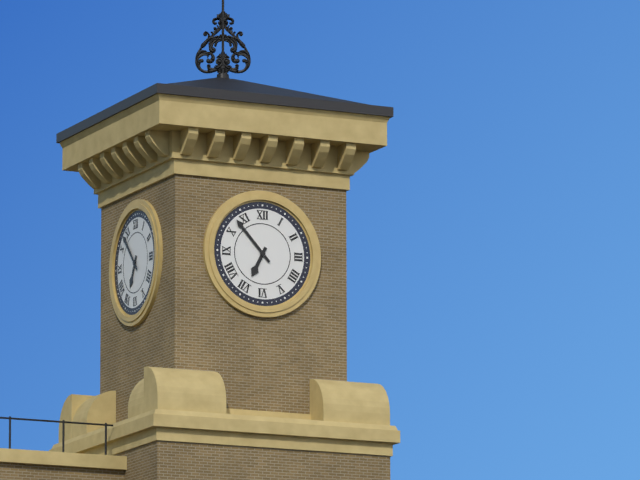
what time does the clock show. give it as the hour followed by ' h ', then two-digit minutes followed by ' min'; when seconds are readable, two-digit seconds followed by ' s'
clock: 6 h 53 min
